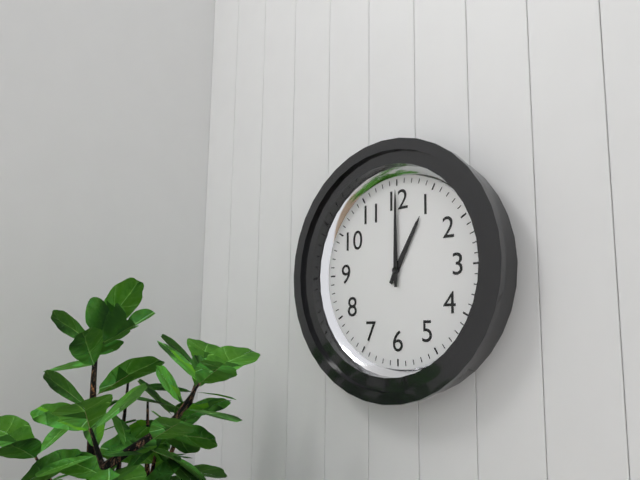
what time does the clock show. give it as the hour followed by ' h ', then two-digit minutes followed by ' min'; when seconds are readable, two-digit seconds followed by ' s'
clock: 1 h 00 min
